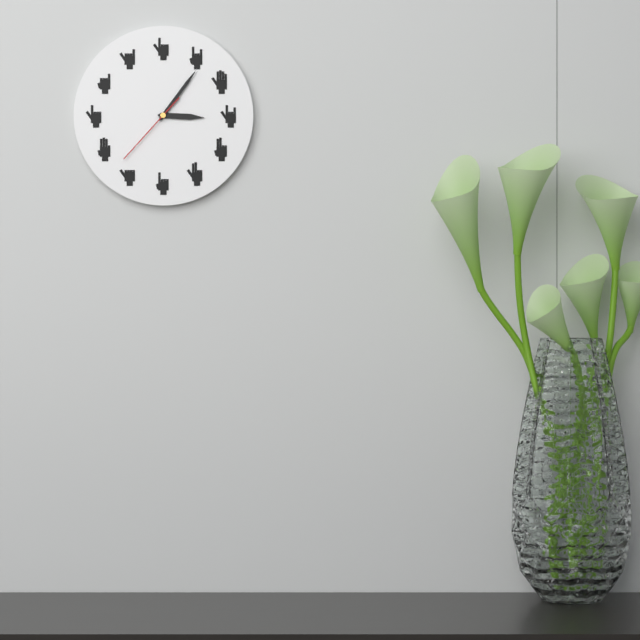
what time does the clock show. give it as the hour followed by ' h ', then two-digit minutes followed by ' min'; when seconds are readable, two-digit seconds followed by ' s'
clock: 3 h 06 min 37 s
